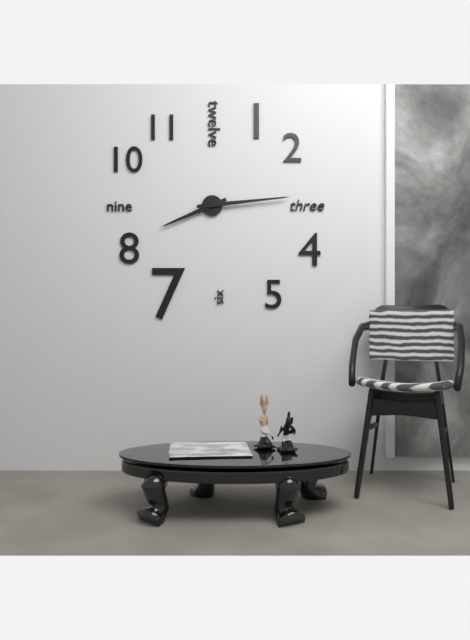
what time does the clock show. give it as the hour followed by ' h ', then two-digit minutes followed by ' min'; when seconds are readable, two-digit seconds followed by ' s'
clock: 8 h 14 min
